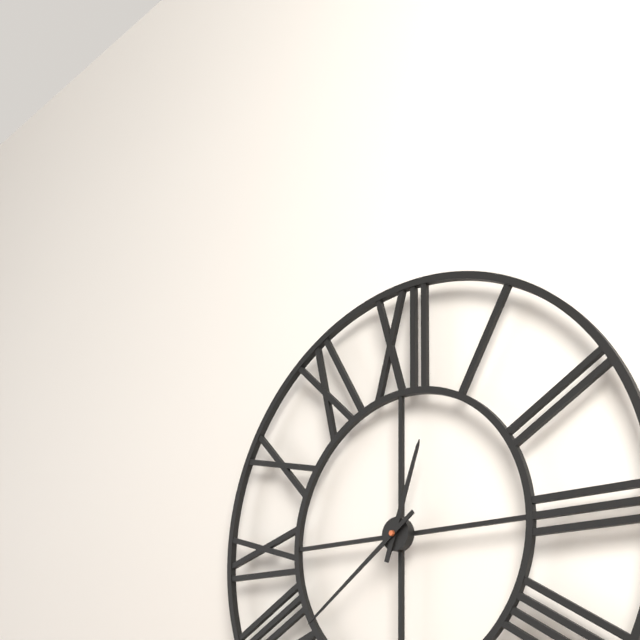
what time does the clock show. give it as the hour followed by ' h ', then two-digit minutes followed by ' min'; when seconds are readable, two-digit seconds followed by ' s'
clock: 12 h 39 min
